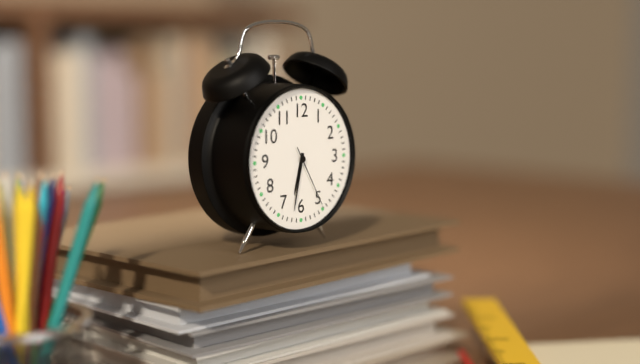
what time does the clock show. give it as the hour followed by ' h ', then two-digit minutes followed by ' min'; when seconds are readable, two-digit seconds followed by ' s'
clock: 6 h 32 min 25 s
